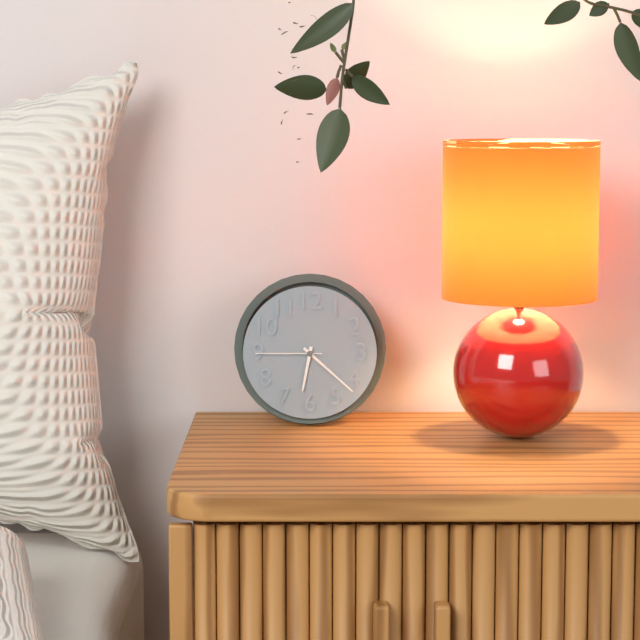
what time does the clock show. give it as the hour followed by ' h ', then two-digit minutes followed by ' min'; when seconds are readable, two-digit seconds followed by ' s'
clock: 6 h 22 min 45 s
